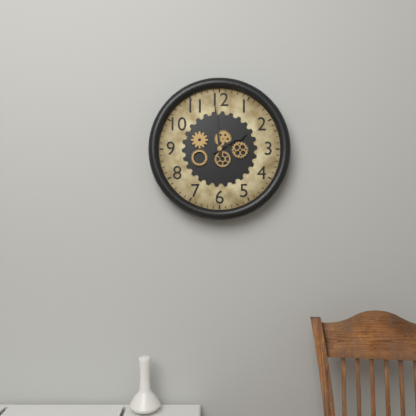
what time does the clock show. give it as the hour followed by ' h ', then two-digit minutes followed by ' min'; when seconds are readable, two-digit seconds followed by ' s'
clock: 1 h 59 min
